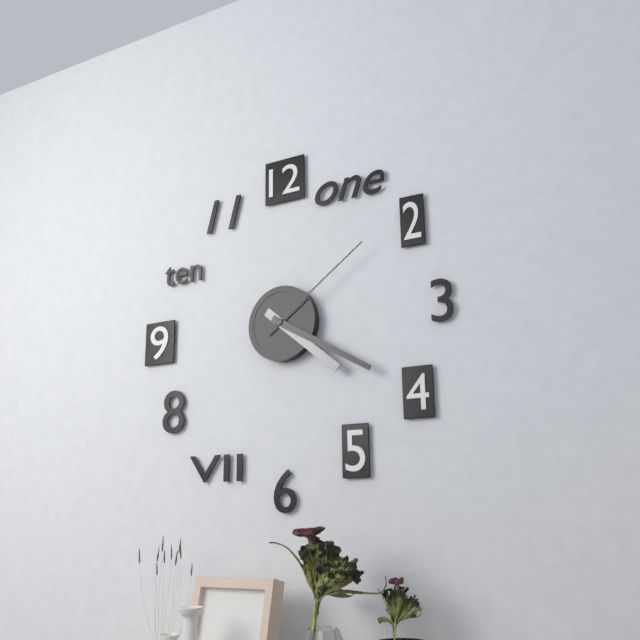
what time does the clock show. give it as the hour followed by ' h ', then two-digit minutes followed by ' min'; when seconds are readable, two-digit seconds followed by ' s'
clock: 4 h 20 min 09 s
